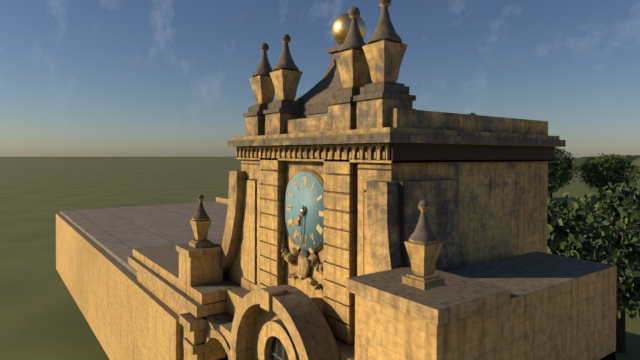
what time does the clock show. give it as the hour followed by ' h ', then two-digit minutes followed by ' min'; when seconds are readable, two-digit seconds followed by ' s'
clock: 7 h 31 min
